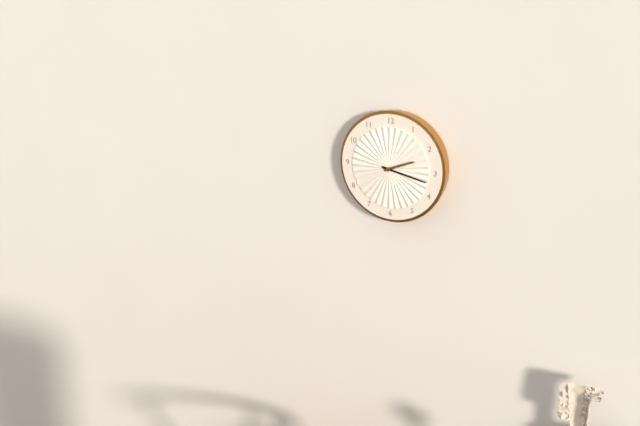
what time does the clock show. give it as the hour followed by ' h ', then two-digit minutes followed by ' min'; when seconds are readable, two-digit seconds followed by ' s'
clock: 2 h 17 min
